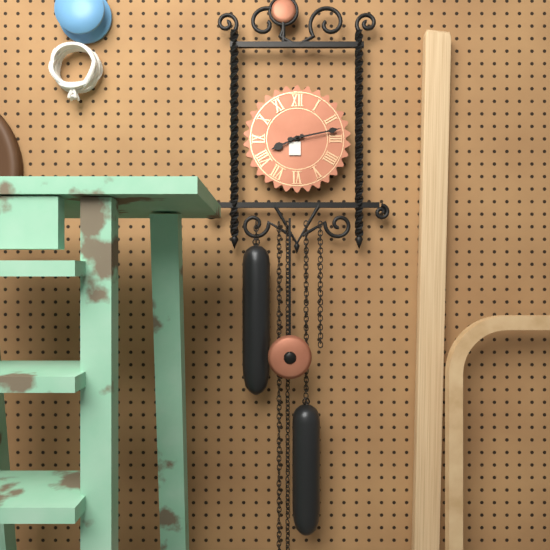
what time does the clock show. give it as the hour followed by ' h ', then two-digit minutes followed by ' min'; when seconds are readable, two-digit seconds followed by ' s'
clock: 8 h 13 min
